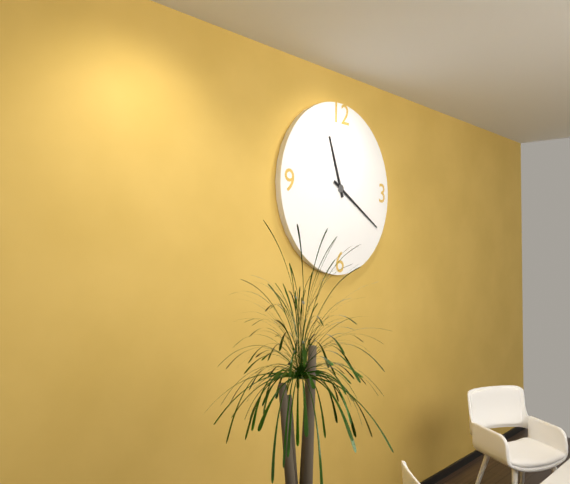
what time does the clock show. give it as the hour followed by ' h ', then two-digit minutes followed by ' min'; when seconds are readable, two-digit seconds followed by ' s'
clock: 11 h 20 min
